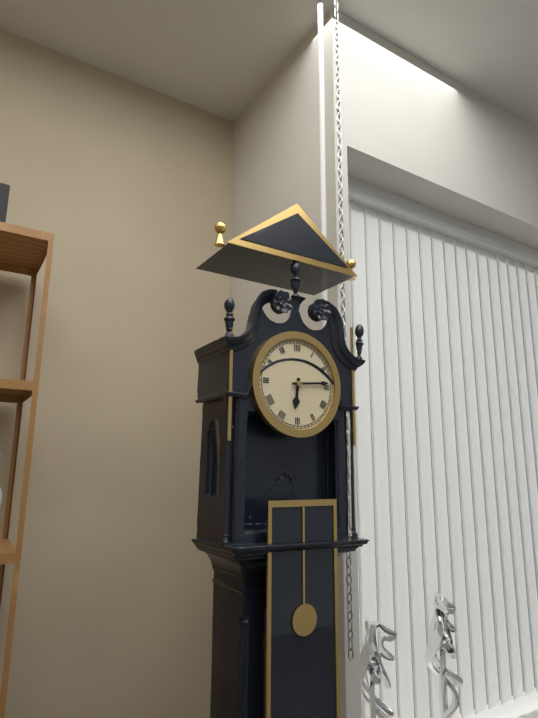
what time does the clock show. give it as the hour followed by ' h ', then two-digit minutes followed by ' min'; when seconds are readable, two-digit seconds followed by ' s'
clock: 6 h 14 min
